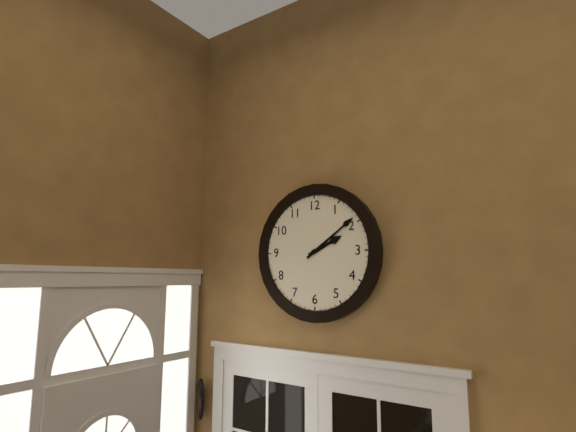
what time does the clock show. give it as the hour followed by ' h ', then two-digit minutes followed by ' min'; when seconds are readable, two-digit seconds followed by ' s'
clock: 2 h 09 min
